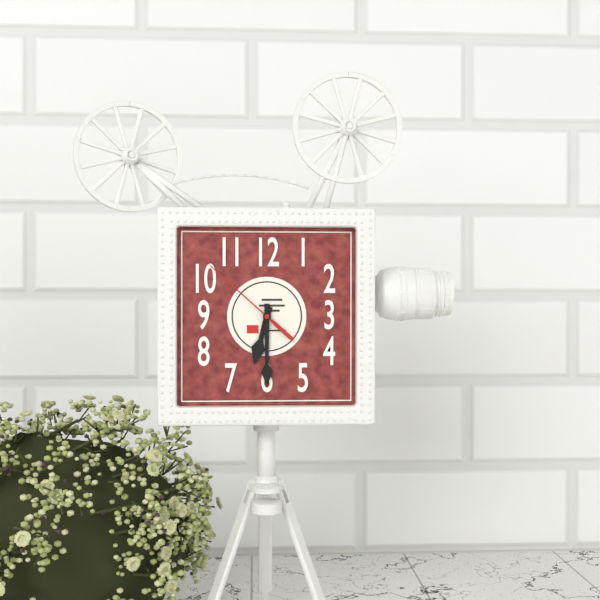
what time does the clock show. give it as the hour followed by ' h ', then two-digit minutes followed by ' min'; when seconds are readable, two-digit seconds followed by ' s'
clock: 6 h 30 min 52 s
